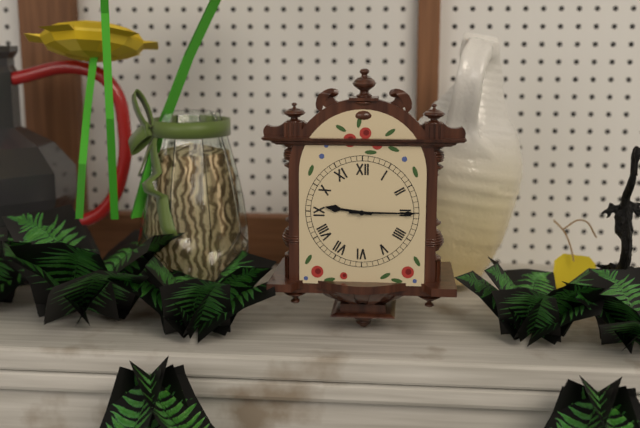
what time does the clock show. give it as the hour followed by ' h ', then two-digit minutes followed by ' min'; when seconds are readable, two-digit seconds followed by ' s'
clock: 9 h 15 min
